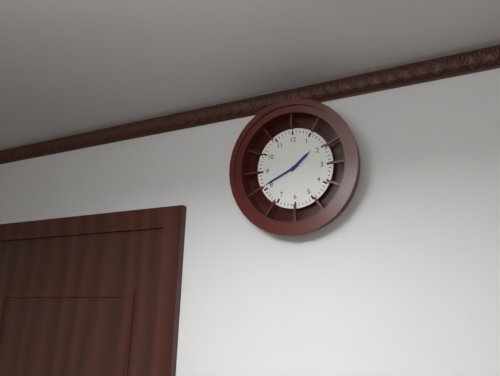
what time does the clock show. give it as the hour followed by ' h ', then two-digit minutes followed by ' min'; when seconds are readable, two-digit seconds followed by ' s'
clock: 1 h 41 min
